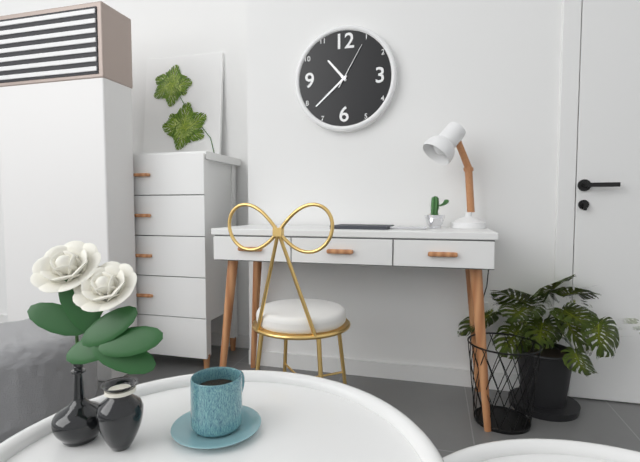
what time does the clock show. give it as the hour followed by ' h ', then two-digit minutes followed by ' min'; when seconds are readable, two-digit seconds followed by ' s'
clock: 10 h 38 min
